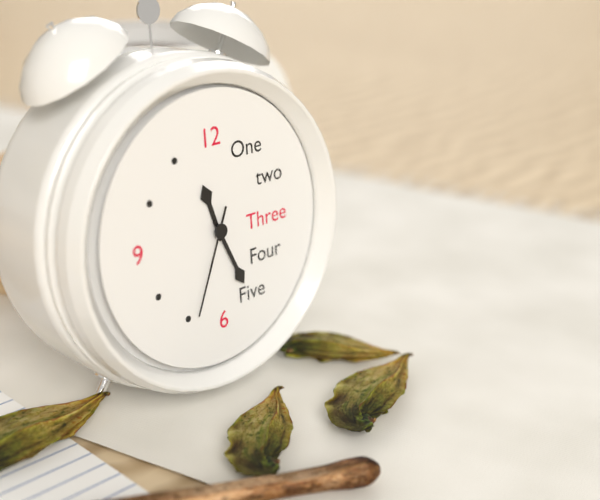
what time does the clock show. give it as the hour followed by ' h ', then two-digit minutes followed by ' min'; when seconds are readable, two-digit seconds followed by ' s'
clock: 11 h 26 min 34 s
